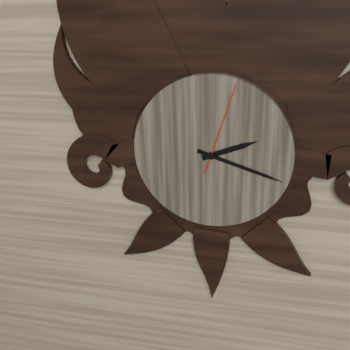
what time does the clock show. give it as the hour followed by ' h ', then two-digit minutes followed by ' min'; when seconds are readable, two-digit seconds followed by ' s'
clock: 2 h 18 min 03 s
